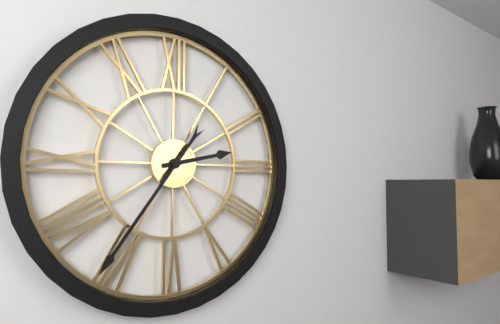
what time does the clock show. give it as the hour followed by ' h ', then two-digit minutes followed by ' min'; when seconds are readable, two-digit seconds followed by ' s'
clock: 2 h 36 min
